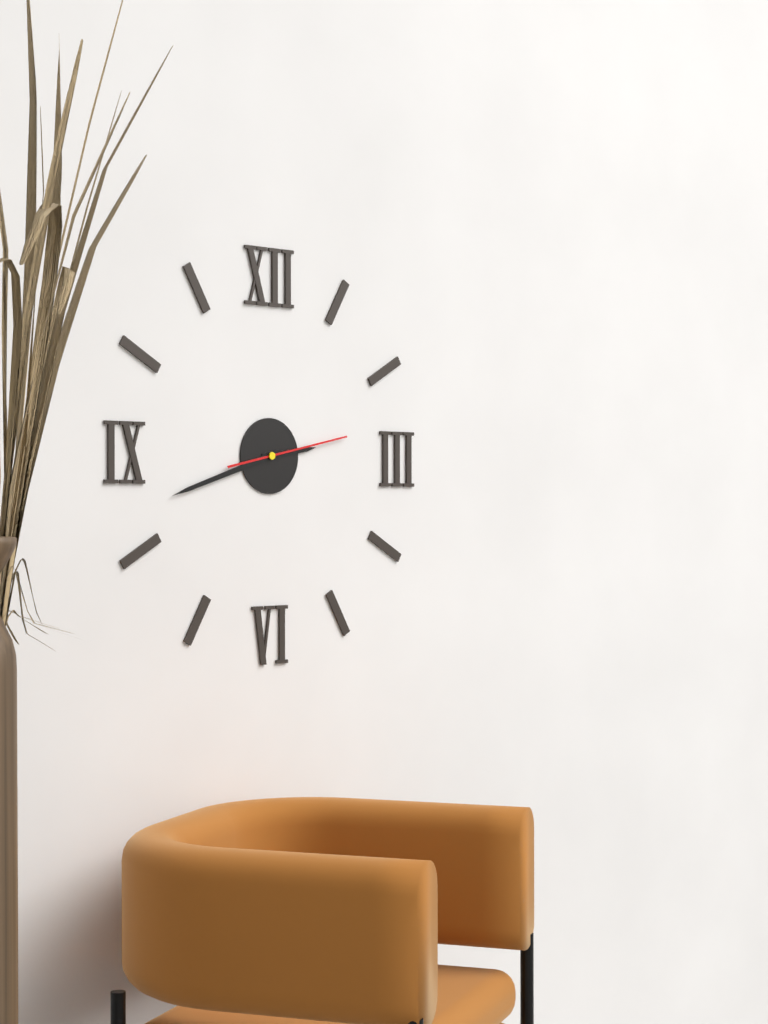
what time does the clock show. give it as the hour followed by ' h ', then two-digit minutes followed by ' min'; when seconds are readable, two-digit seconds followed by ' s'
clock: 2 h 42 min 13 s
